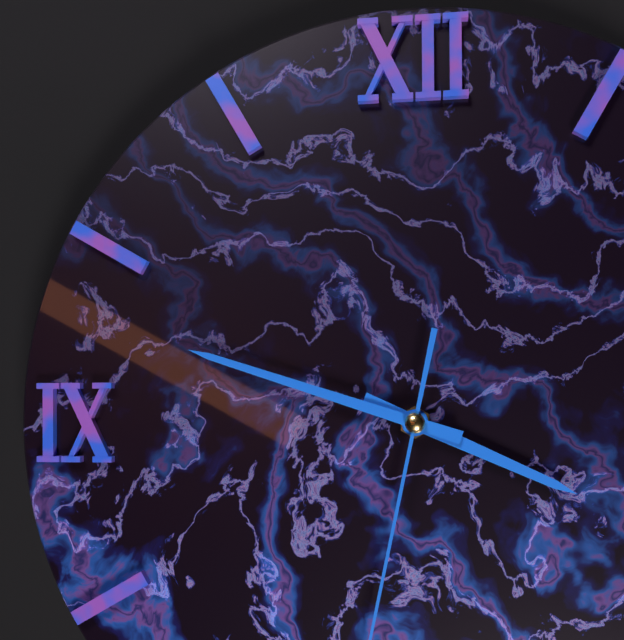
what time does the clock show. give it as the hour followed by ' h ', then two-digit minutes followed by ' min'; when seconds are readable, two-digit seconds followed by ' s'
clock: 3 h 48 min
